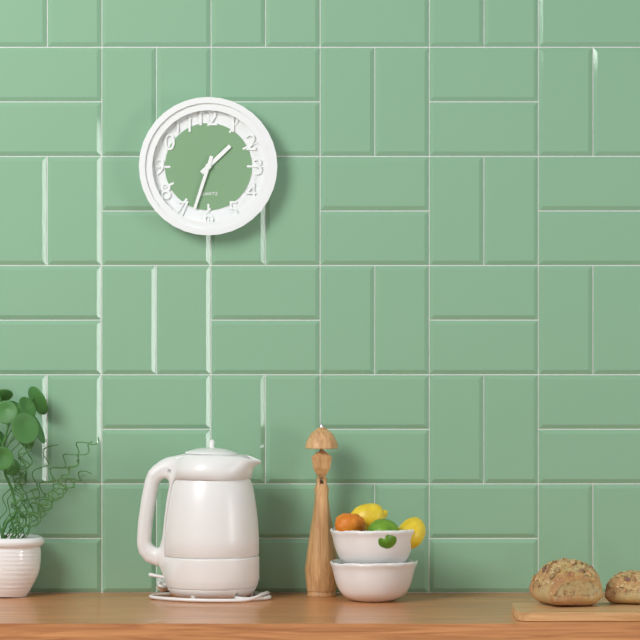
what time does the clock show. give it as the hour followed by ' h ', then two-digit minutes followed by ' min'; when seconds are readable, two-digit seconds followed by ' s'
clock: 1 h 33 min
